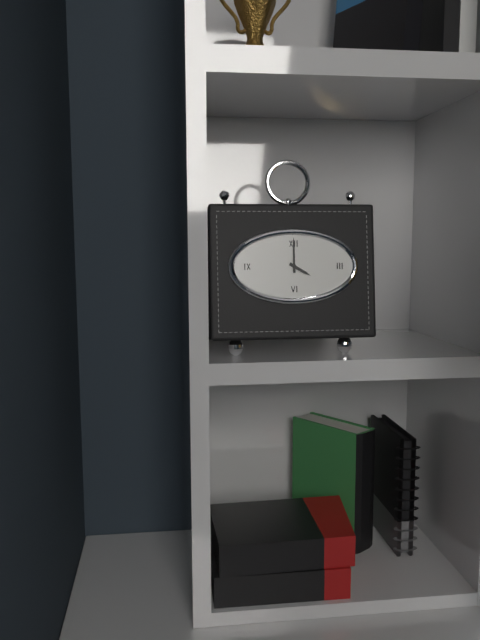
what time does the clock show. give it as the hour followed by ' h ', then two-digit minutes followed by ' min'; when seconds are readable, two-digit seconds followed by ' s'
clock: 4 h 00 min
